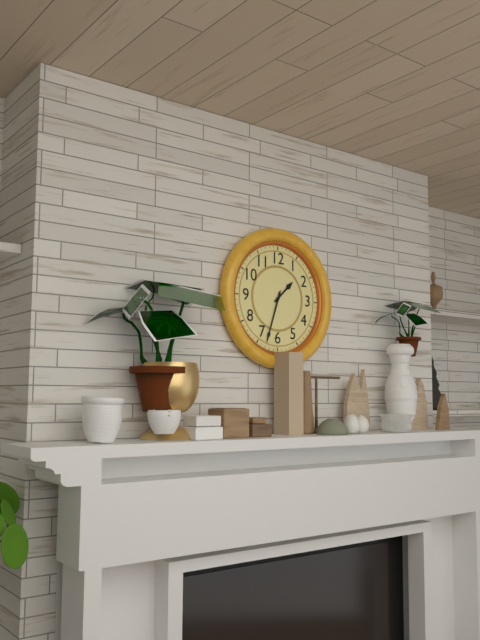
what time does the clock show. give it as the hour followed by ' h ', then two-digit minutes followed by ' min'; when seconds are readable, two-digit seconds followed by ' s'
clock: 1 h 33 min
